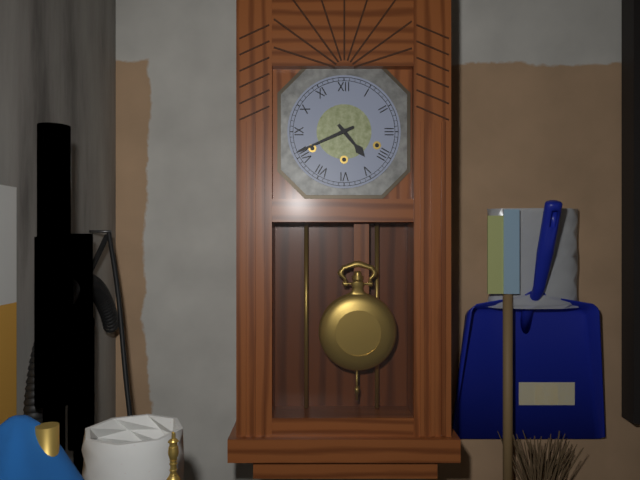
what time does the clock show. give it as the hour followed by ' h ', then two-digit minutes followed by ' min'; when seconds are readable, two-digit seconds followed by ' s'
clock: 4 h 41 min
